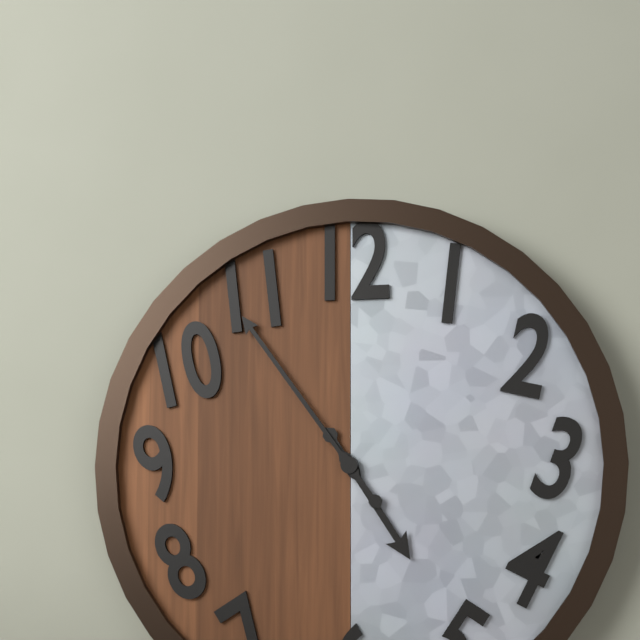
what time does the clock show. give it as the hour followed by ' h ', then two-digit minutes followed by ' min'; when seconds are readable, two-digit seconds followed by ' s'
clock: 4 h 54 min
